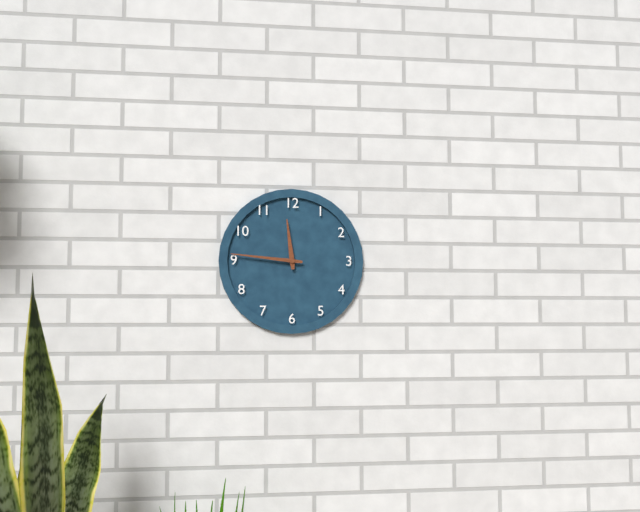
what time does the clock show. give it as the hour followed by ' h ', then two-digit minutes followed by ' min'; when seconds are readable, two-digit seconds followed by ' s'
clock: 11 h 46 min
